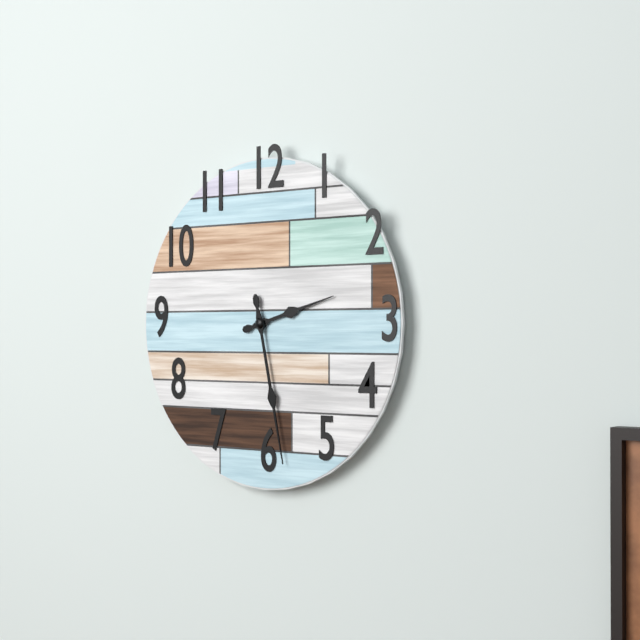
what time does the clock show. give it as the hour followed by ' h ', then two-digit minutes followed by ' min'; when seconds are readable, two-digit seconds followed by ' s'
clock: 2 h 28 min
